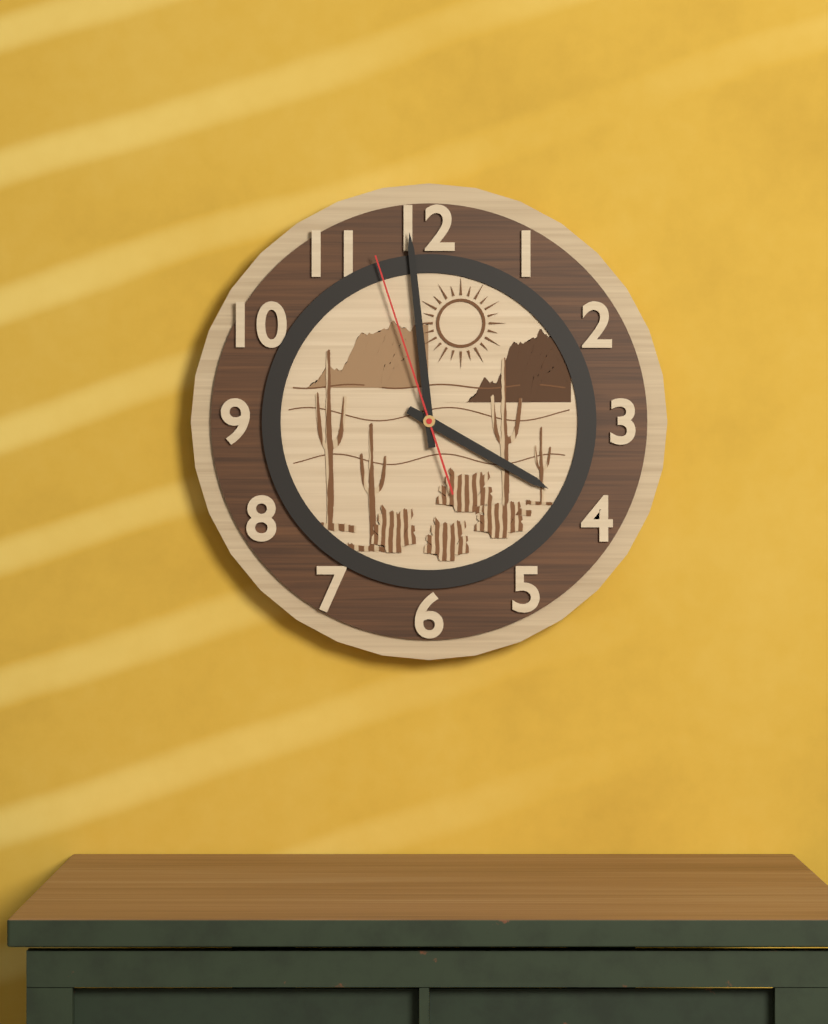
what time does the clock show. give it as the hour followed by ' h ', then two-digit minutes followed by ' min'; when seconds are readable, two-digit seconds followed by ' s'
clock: 3 h 59 min 57 s
